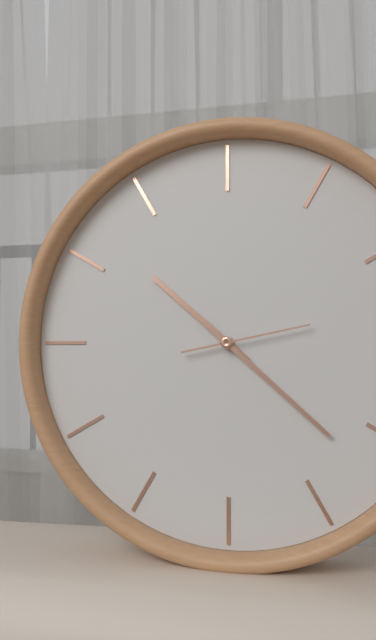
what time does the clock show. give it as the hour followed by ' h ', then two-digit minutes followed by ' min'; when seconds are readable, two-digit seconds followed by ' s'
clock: 10 h 22 min 13 s
